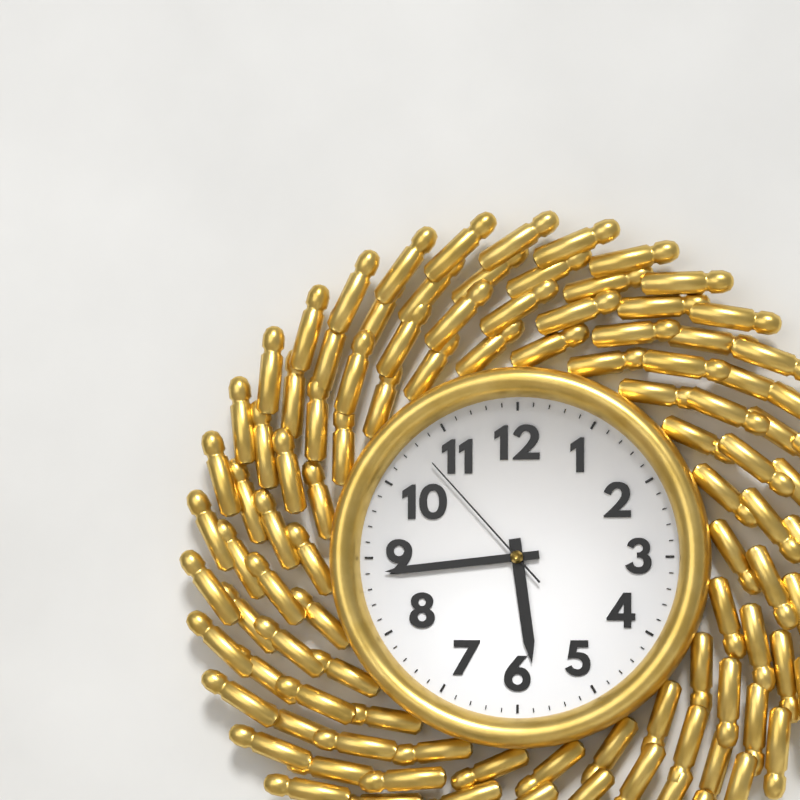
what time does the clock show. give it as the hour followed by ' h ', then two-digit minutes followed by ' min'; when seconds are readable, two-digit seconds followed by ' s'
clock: 5 h 44 min 53 s
